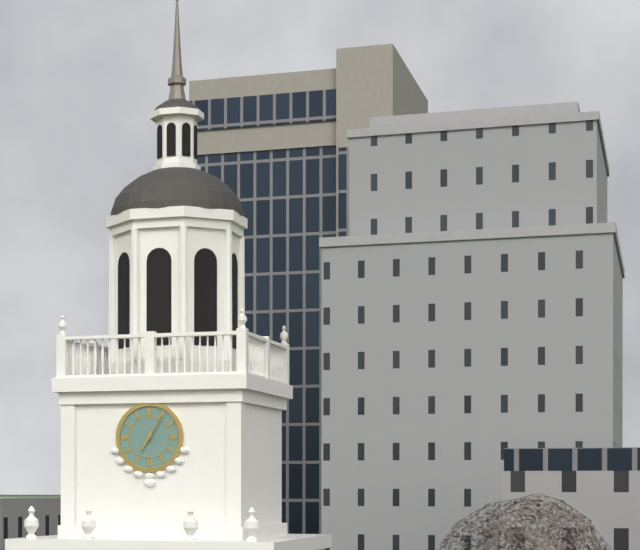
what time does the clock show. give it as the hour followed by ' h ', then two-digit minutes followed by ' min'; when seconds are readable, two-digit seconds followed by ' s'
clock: 7 h 05 min
